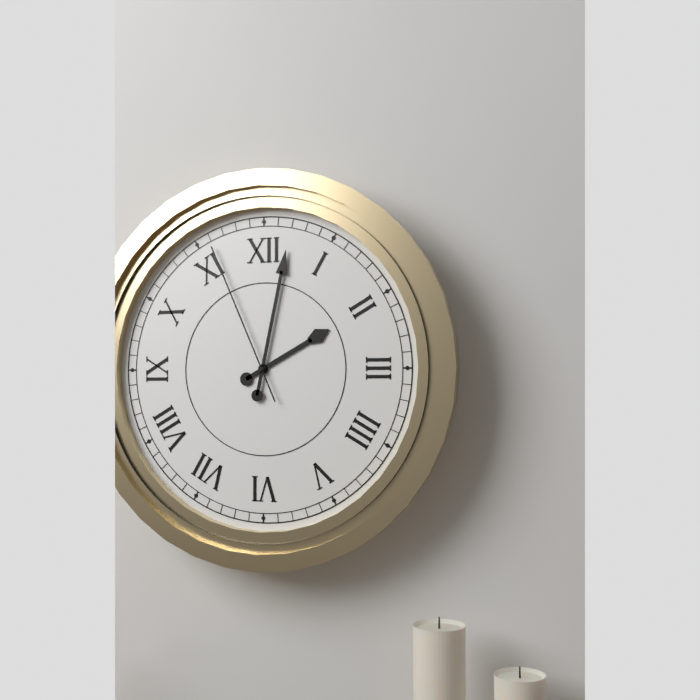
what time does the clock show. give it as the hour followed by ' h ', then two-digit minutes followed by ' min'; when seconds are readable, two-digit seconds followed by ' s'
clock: 2 h 02 min 56 s
